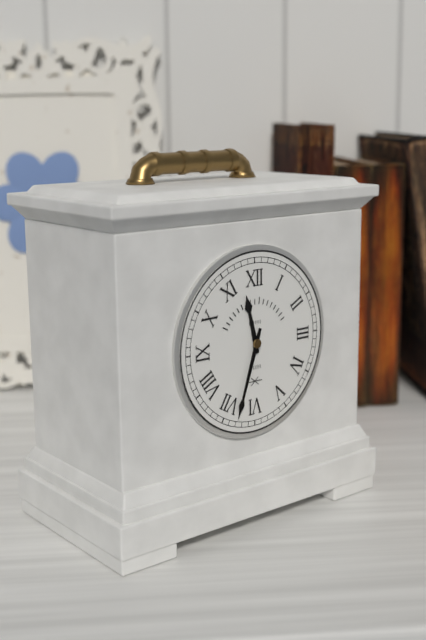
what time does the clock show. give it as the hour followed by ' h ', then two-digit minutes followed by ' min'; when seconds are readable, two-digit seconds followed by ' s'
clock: 11 h 33 min
